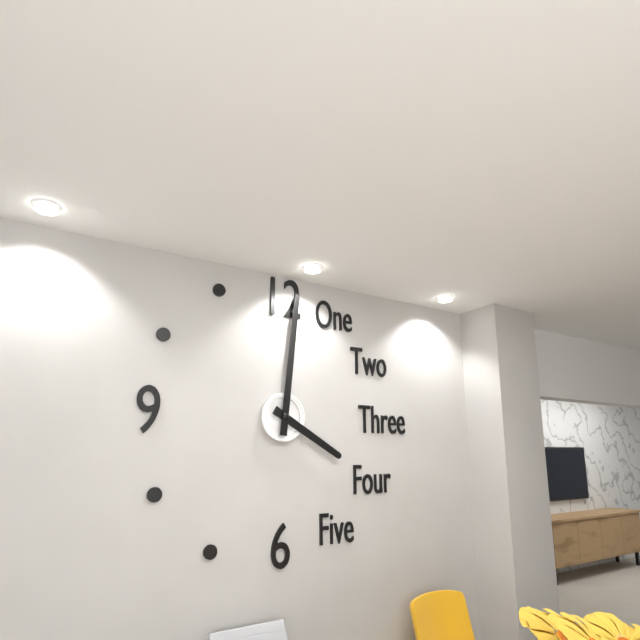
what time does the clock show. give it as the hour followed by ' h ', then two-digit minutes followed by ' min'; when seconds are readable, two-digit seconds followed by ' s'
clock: 4 h 01 min
